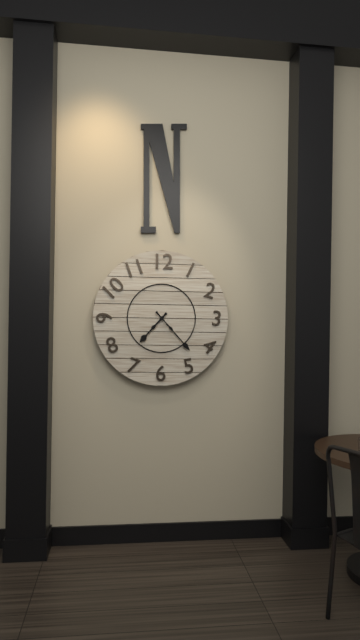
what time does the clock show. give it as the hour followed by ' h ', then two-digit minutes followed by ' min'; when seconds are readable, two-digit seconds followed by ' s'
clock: 7 h 23 min
